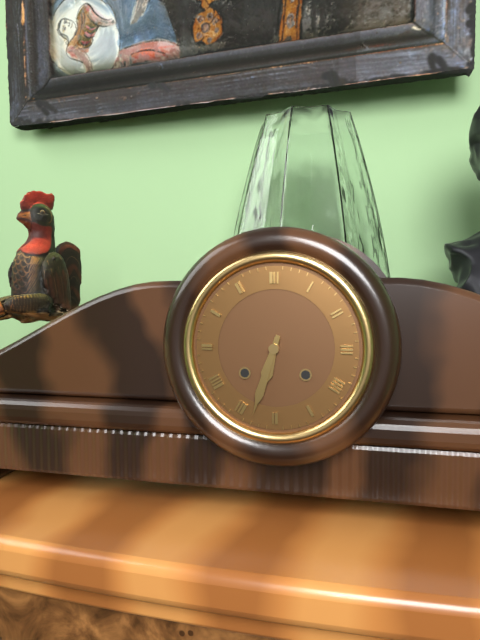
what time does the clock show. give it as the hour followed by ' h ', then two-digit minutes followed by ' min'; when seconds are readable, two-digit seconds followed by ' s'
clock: 6 h 33 min
